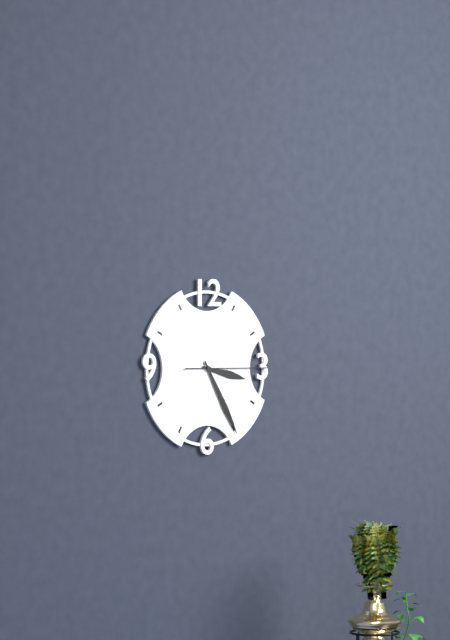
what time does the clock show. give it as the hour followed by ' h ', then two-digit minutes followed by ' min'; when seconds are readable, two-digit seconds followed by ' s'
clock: 3 h 25 min 15 s
